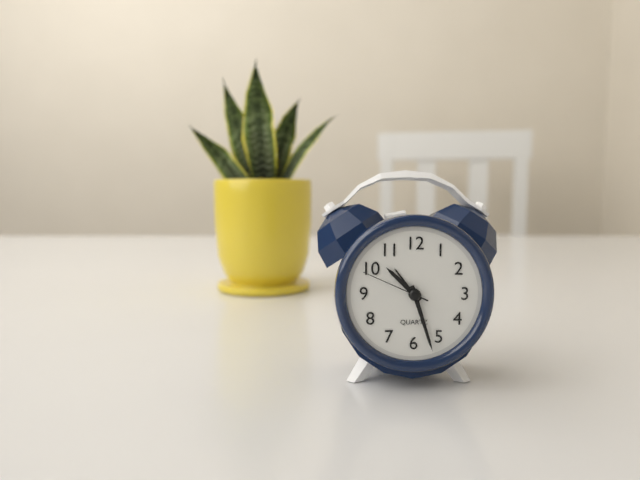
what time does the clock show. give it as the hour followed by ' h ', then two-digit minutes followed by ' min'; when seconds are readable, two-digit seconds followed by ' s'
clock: 10 h 27 min 49 s
